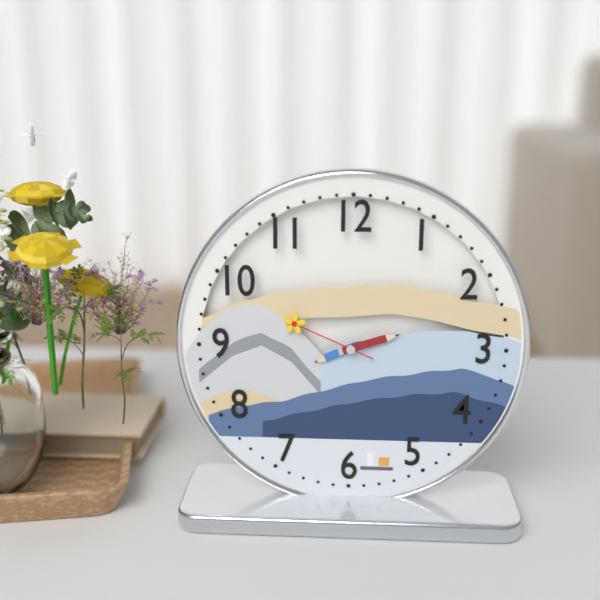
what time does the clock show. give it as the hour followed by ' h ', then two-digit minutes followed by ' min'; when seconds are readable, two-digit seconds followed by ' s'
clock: 8 h 12 min 49 s
